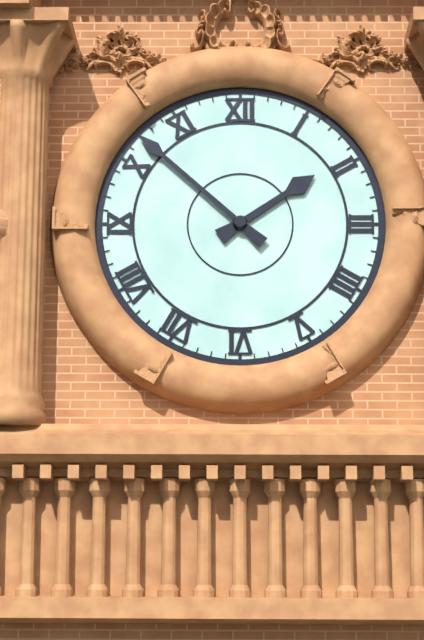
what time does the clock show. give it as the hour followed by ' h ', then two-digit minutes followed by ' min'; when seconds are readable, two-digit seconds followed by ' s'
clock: 1 h 52 min
